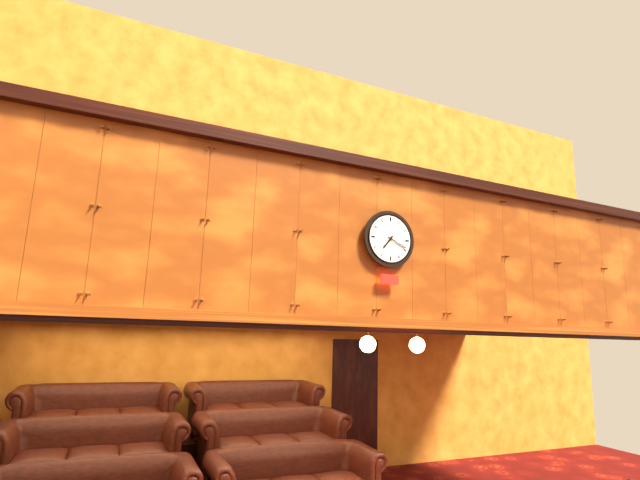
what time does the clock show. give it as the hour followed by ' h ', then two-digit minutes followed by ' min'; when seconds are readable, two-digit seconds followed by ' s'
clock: 7 h 19 min
